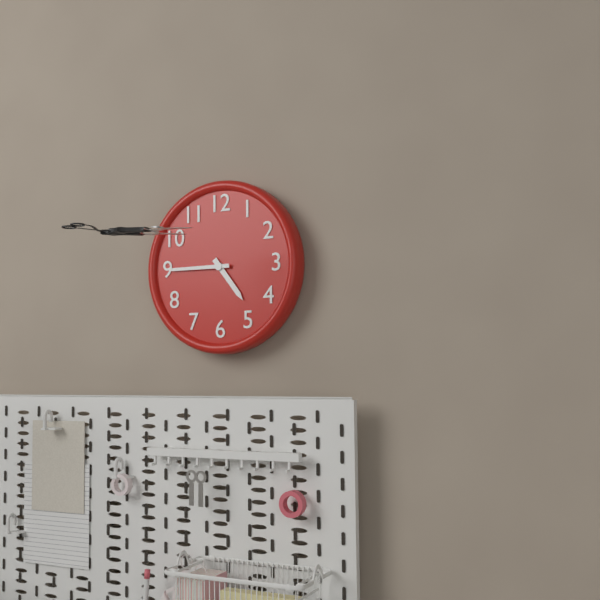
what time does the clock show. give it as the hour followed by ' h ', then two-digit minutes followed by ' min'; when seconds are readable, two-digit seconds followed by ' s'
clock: 4 h 45 min
